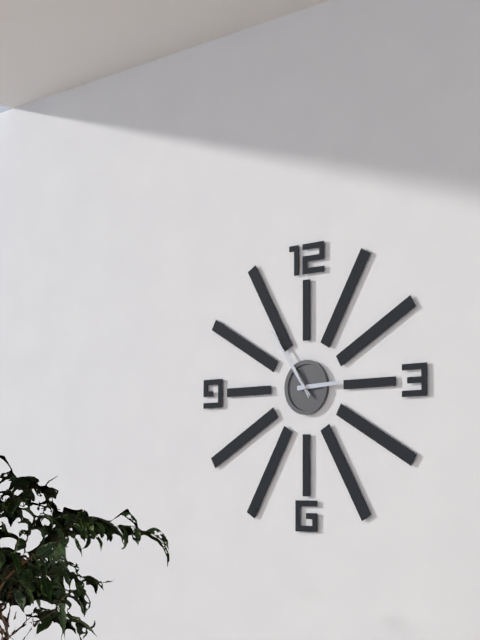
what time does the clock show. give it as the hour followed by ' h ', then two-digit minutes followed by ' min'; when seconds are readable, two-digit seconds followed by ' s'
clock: 2 h 54 min
